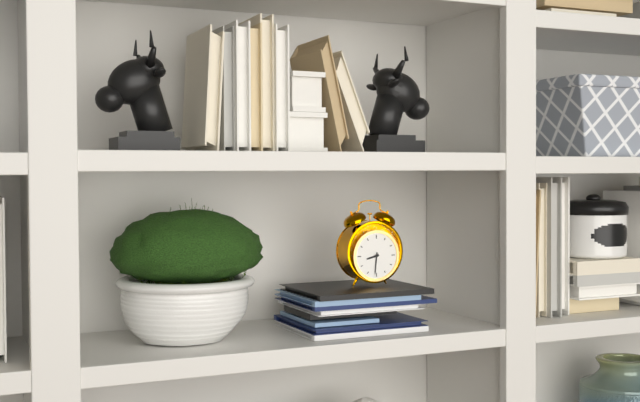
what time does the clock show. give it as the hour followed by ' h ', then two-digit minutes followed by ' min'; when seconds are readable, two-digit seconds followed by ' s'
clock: 8 h 31 min
